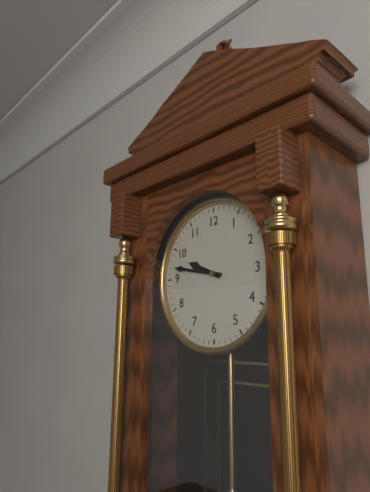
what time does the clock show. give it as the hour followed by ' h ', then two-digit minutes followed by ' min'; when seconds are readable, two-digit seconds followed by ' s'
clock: 9 h 47 min
